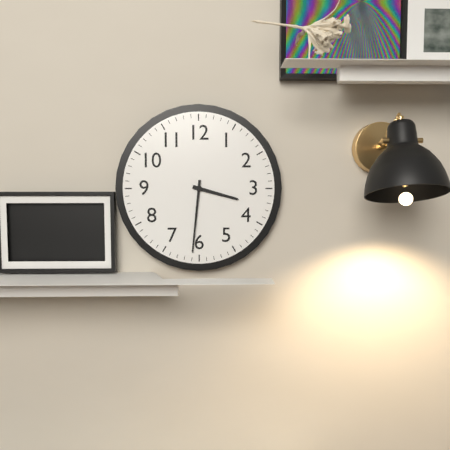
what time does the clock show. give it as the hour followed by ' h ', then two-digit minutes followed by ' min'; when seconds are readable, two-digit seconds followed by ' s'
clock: 3 h 31 min
